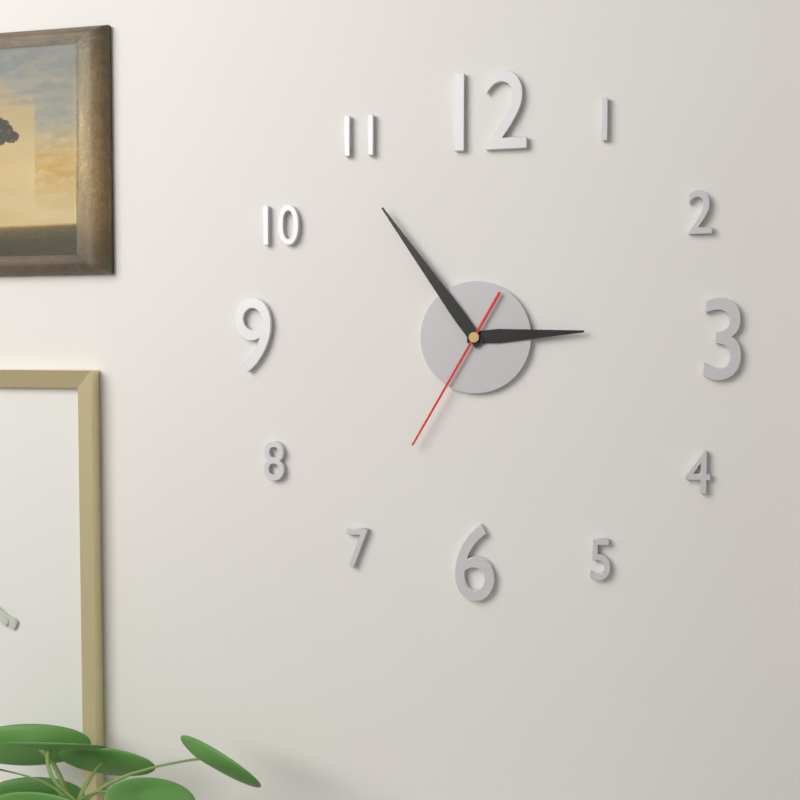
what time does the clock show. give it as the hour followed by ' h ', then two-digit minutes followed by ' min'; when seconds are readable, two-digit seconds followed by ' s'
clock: 2 h 54 min 35 s
